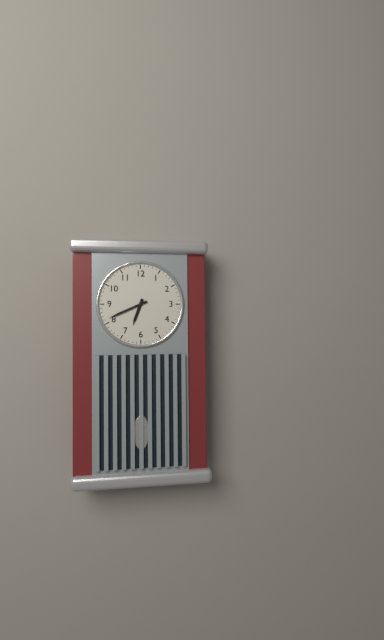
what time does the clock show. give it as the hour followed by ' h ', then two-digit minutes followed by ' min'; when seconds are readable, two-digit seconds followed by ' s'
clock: 6 h 41 min
